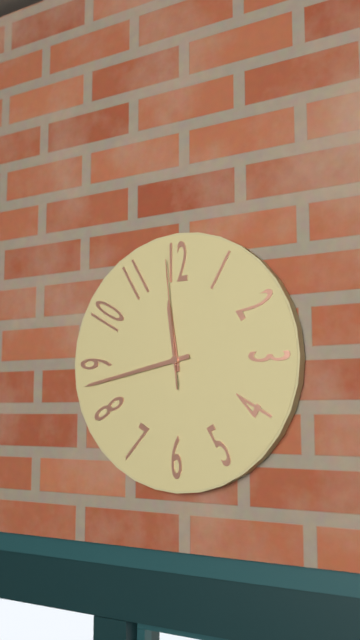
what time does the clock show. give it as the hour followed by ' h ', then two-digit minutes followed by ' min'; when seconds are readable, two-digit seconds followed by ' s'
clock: 11 h 43 min 59 s
